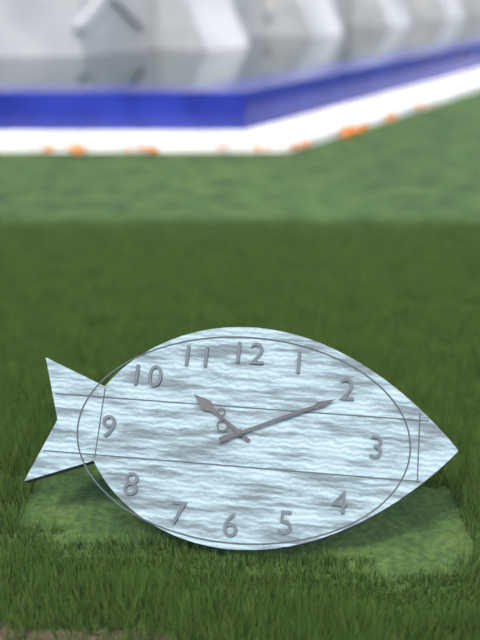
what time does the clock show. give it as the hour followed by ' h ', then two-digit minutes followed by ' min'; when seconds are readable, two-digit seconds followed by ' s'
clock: 10 h 11 min
